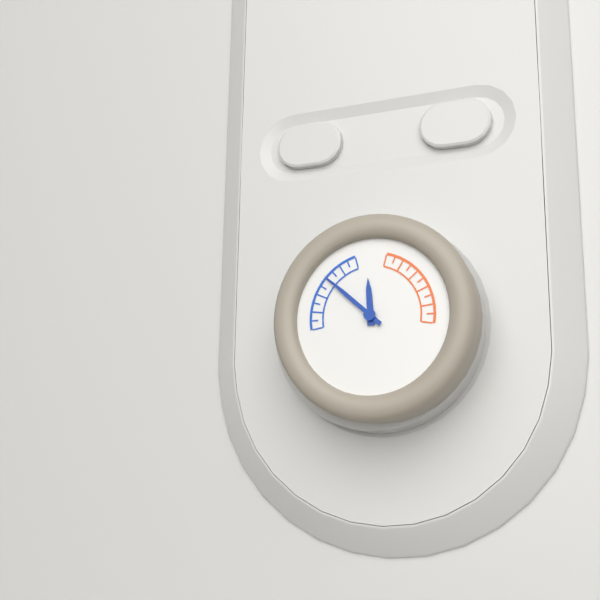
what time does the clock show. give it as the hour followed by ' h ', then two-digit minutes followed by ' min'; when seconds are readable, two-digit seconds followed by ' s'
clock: 11 h 52 min
